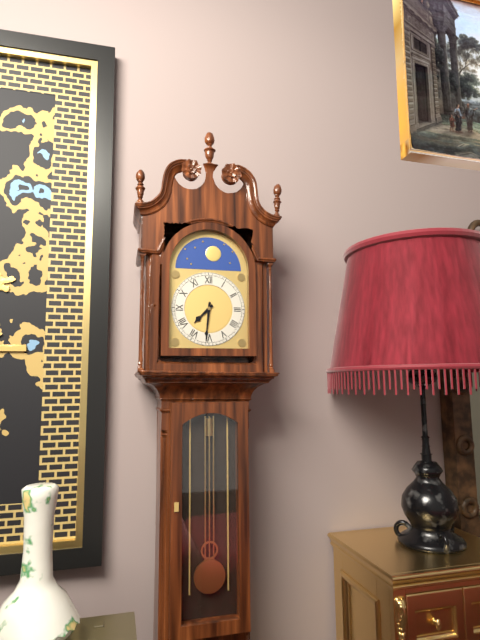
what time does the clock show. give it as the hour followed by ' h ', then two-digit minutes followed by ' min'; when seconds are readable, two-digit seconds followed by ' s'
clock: 7 h 31 min
